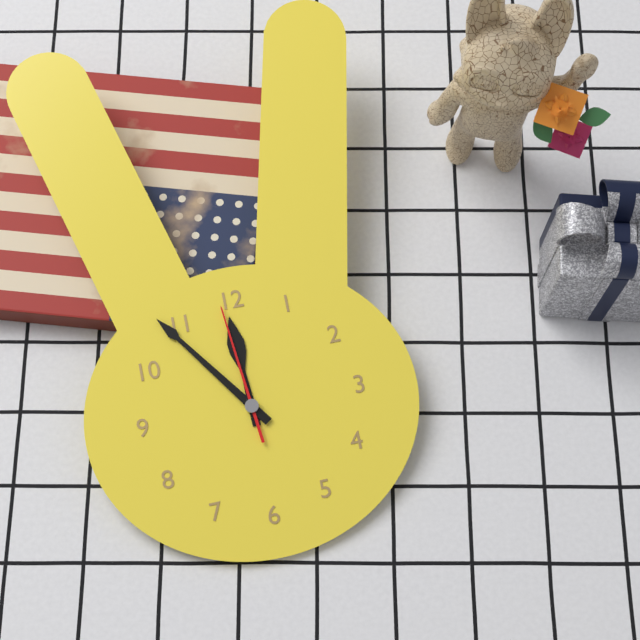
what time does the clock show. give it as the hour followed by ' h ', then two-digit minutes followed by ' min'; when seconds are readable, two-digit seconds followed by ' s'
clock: 11 h 54 min 59 s
